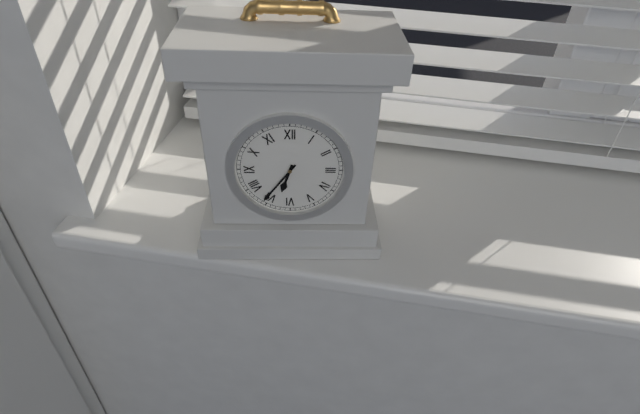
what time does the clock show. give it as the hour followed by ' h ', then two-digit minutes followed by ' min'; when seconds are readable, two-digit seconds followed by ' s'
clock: 6 h 36 min
